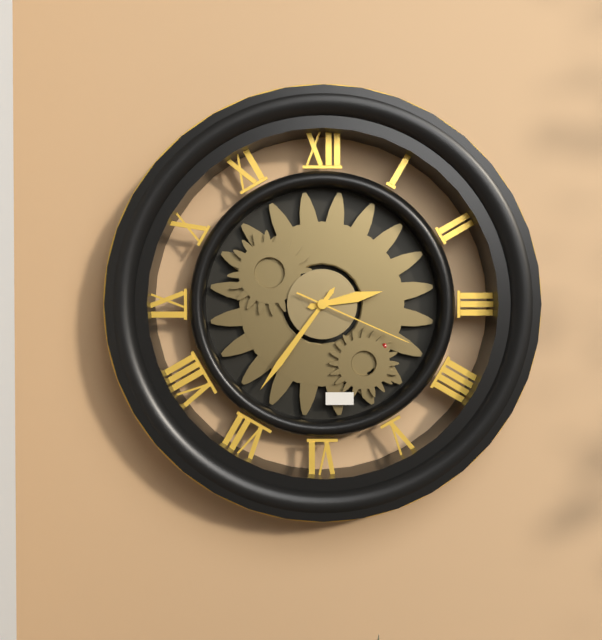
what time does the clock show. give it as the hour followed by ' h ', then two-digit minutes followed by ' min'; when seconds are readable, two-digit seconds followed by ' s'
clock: 2 h 36 min 19 s
